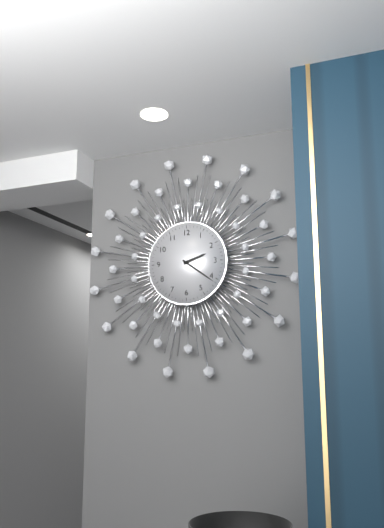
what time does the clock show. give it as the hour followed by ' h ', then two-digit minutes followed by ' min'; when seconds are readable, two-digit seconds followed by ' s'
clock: 2 h 21 min
